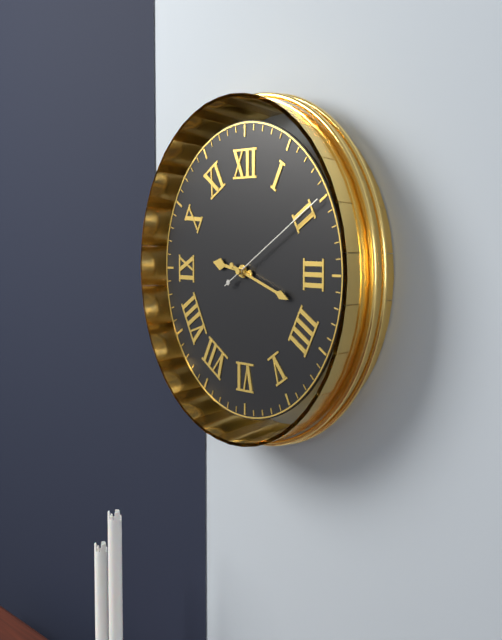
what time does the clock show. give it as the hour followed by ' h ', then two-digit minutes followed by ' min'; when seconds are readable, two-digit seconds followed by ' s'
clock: 9 h 18 min 10 s
